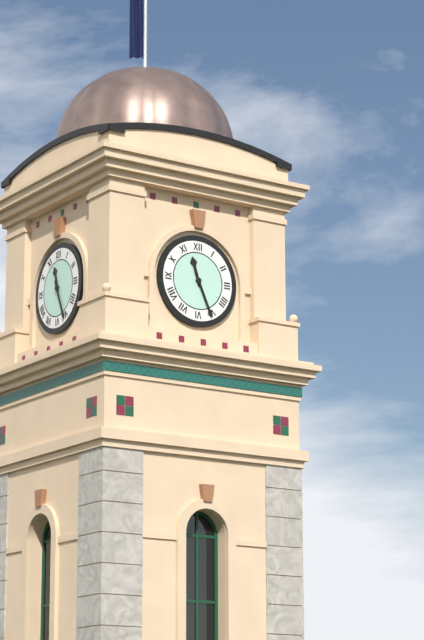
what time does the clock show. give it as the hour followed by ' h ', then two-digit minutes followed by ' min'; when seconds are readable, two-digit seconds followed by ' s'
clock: 11 h 26 min
